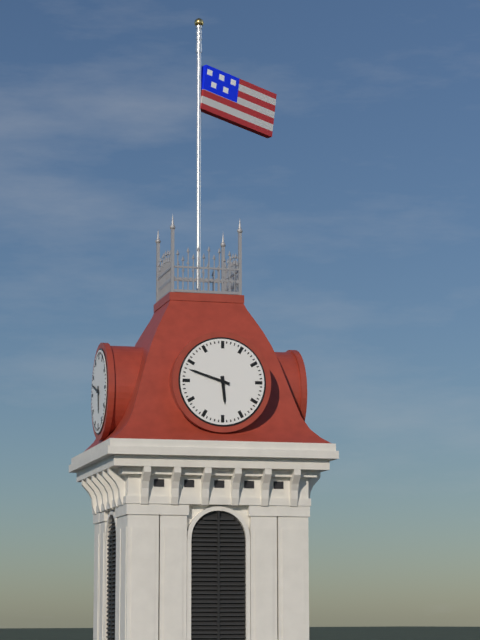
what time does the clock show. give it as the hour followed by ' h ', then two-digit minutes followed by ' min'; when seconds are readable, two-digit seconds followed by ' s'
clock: 5 h 48 min
